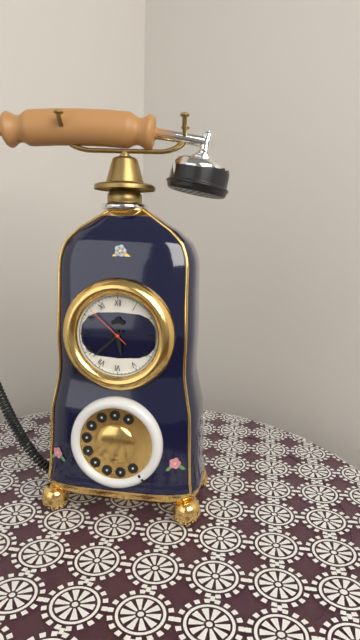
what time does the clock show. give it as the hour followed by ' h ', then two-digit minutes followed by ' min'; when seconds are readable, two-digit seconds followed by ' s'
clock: 5 h 38 min
